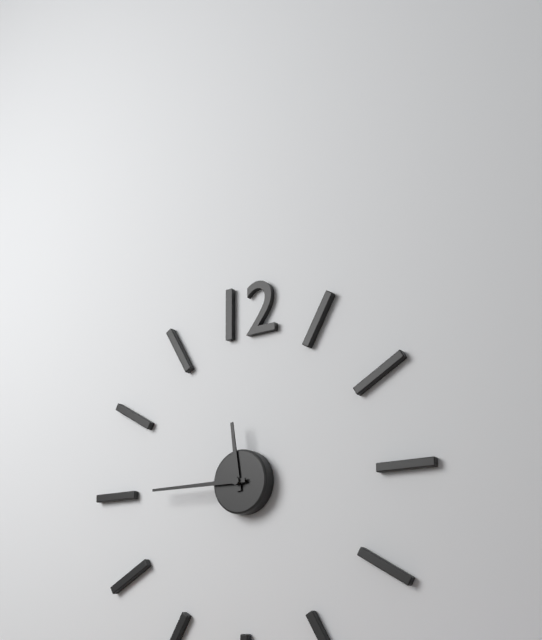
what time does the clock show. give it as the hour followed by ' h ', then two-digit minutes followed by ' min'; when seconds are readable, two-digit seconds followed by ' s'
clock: 11 h 45 min
